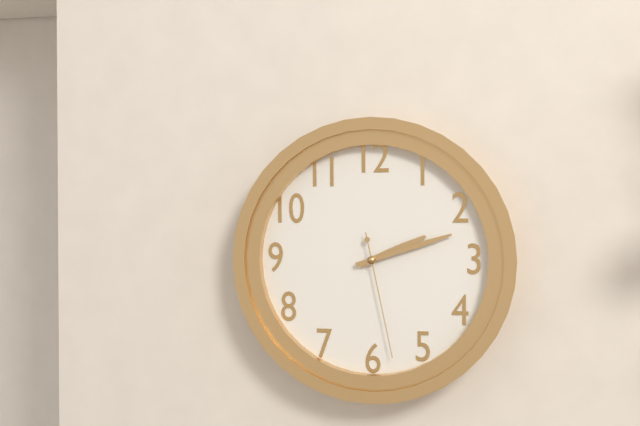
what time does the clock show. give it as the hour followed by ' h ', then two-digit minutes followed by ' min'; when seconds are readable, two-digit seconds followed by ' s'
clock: 2 h 12 min 28 s
